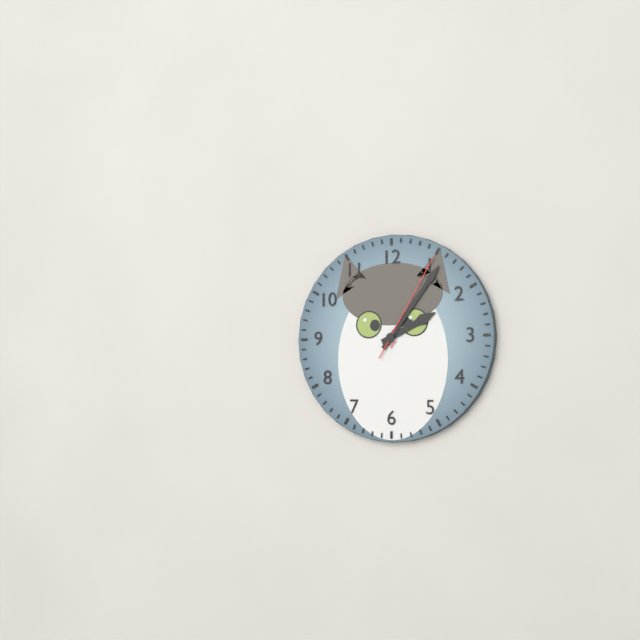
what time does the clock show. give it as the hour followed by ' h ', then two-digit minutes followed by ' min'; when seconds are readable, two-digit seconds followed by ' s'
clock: 2 h 06 min 05 s
